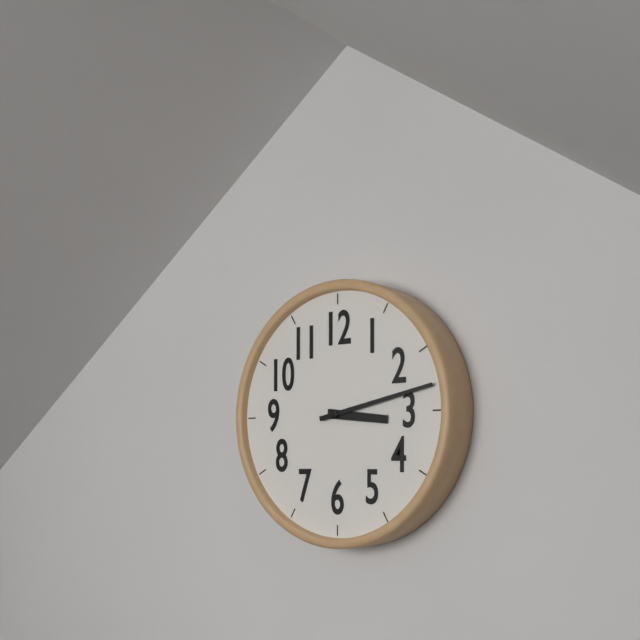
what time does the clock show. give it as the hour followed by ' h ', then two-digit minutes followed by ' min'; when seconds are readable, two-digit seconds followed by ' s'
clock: 3 h 13 min
